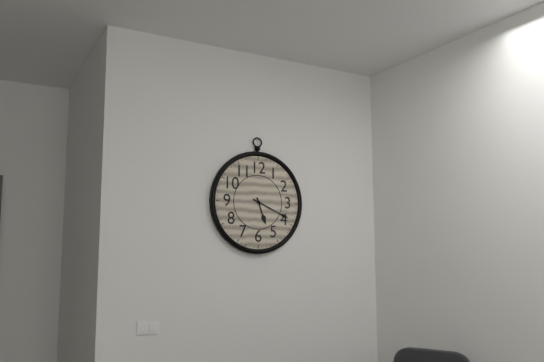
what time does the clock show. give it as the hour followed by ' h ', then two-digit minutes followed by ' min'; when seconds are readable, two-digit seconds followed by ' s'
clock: 5 h 19 min
